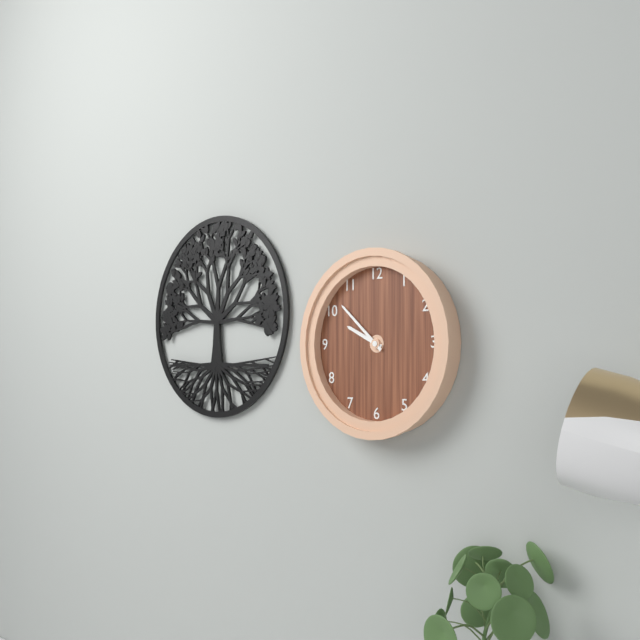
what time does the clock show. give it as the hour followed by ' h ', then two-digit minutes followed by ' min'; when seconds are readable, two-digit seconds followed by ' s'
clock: 9 h 52 min
